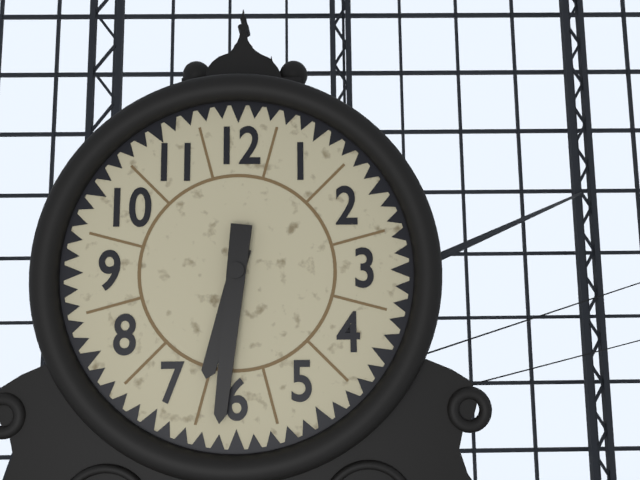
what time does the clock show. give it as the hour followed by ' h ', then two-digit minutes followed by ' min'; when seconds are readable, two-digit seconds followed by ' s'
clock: 6 h 31 min
